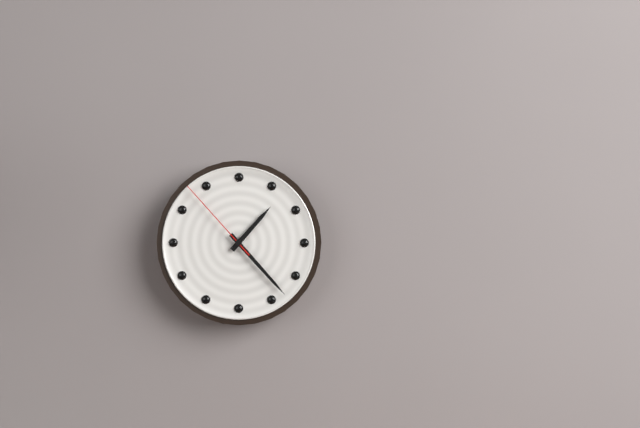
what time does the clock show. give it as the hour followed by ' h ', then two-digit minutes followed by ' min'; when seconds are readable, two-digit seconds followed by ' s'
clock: 1 h 23 min 53 s
